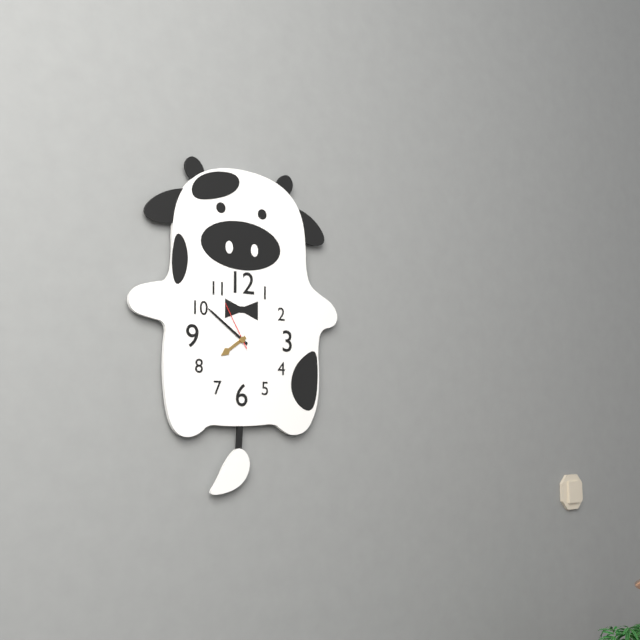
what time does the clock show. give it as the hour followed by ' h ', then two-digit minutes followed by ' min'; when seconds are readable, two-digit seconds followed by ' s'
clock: 7 h 51 min
